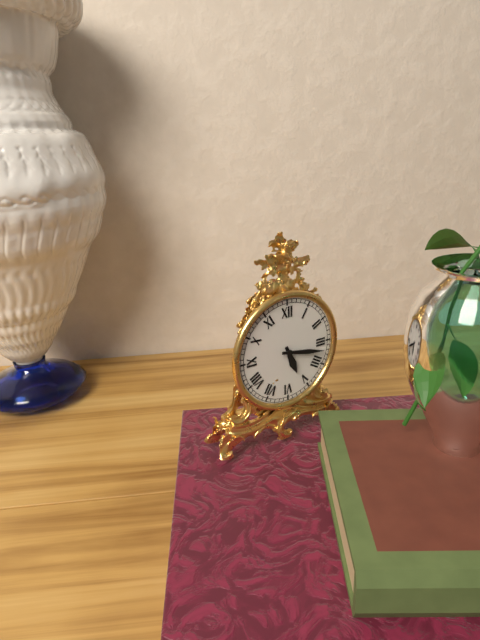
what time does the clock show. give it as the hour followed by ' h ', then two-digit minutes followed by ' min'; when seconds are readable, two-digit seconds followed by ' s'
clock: 5 h 17 min
